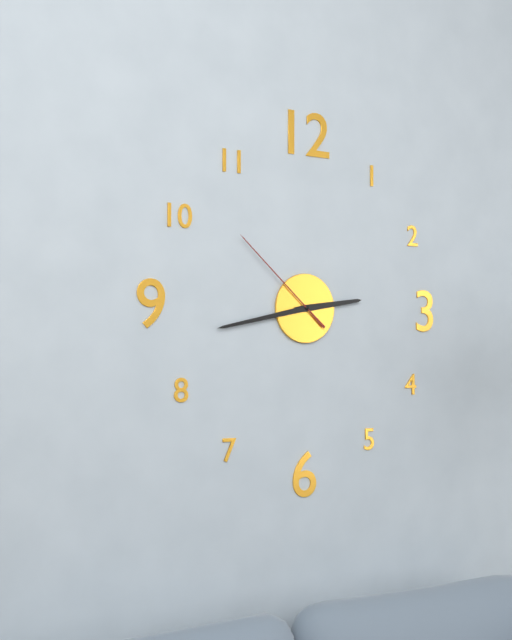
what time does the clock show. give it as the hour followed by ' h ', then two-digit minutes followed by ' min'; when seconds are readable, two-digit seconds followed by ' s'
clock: 2 h 43 min 52 s
